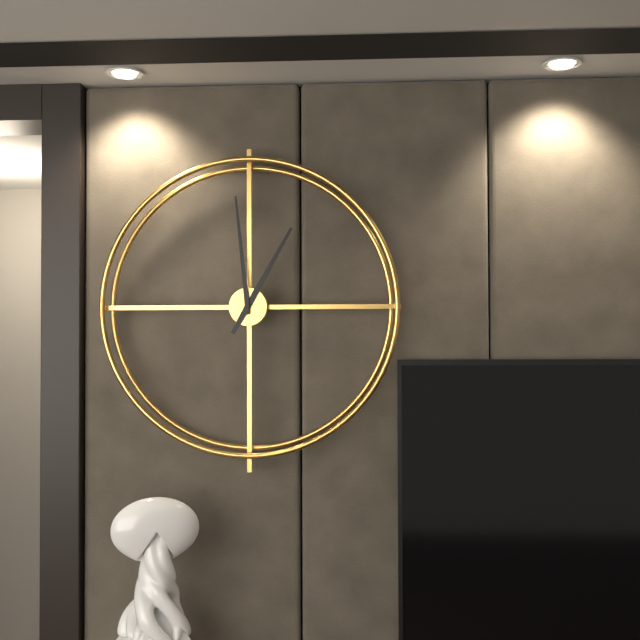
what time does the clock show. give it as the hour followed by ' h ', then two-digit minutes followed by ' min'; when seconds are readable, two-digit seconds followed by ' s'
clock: 12 h 59 min
